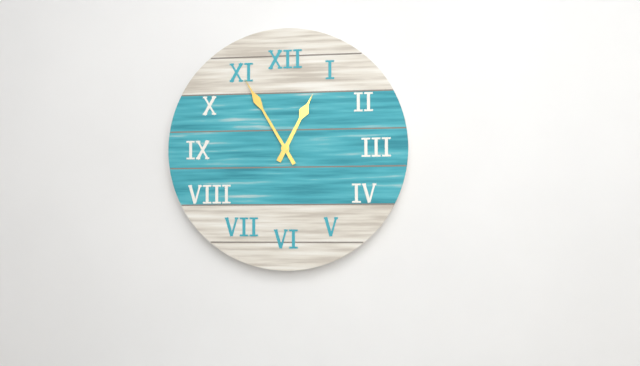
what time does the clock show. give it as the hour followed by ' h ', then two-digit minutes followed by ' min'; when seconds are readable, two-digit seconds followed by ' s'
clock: 12 h 55 min
